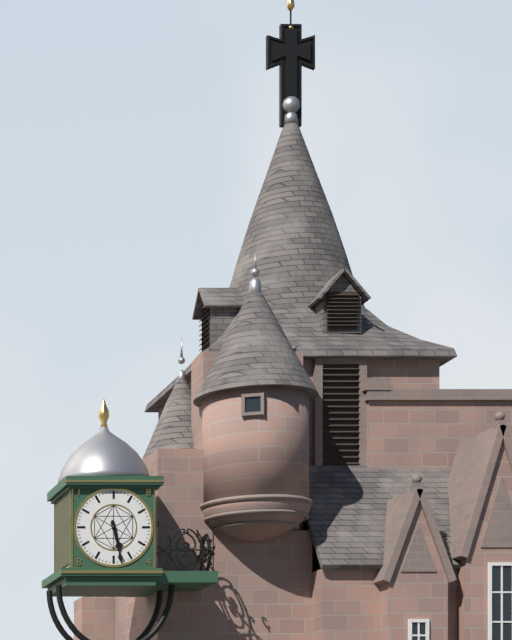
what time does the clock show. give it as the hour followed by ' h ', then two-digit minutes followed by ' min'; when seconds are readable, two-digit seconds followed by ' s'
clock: 5 h 28 min
